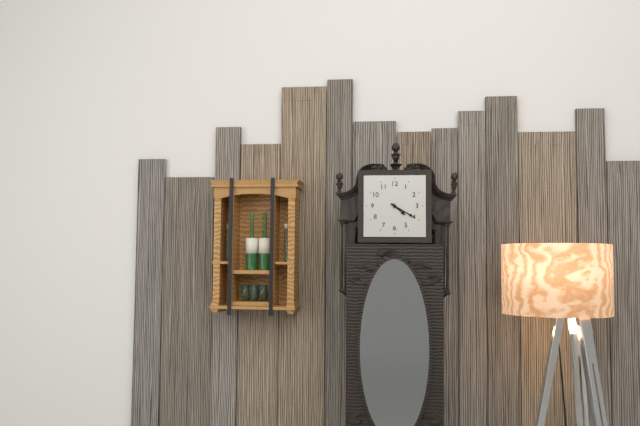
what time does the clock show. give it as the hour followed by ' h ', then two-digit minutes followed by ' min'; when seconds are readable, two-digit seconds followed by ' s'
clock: 4 h 20 min
